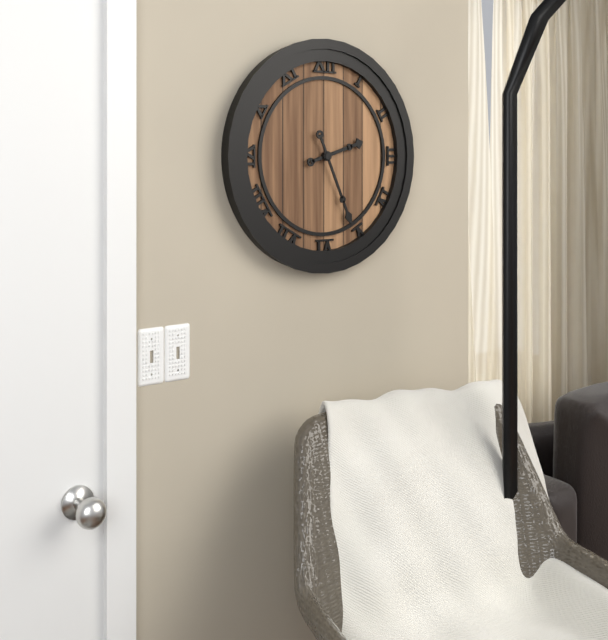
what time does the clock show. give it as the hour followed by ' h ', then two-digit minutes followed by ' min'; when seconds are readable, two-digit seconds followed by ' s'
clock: 2 h 26 min
